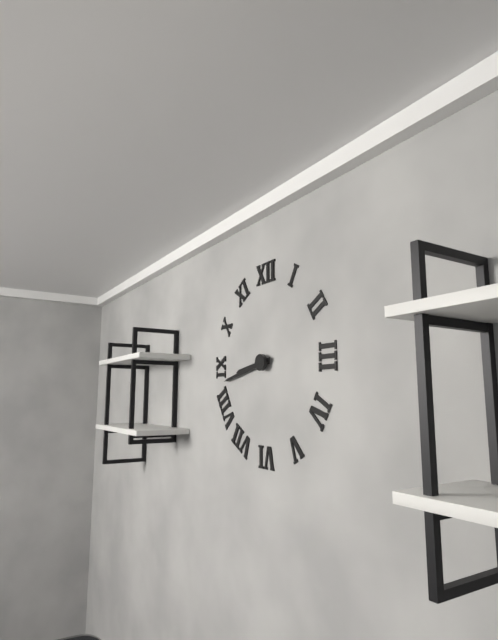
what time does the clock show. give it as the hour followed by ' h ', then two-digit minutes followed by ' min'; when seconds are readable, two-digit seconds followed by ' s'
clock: 8 h 43 min
